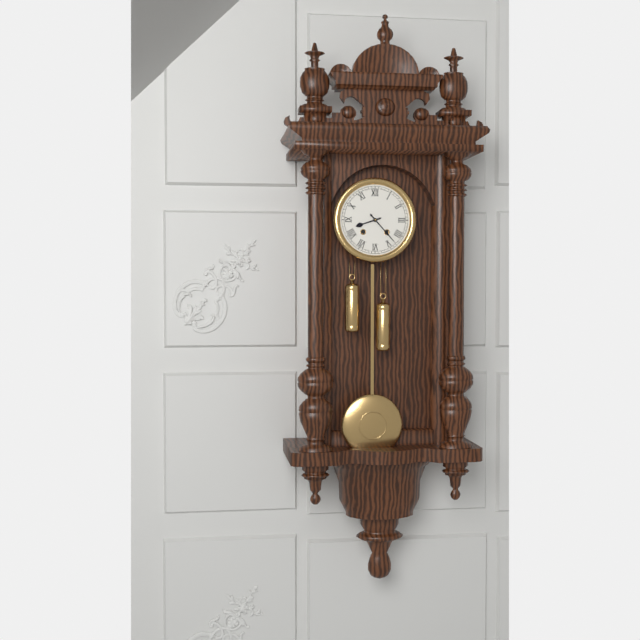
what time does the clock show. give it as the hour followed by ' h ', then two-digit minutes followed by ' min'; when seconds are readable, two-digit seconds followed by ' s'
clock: 8 h 23 min
